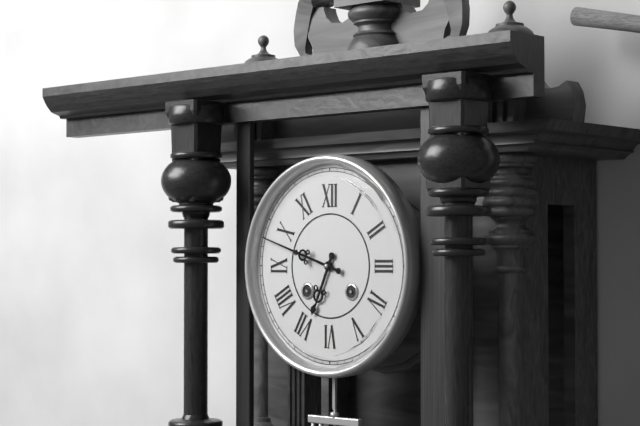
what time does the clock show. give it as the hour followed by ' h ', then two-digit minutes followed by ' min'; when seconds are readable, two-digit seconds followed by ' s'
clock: 6 h 48 min
